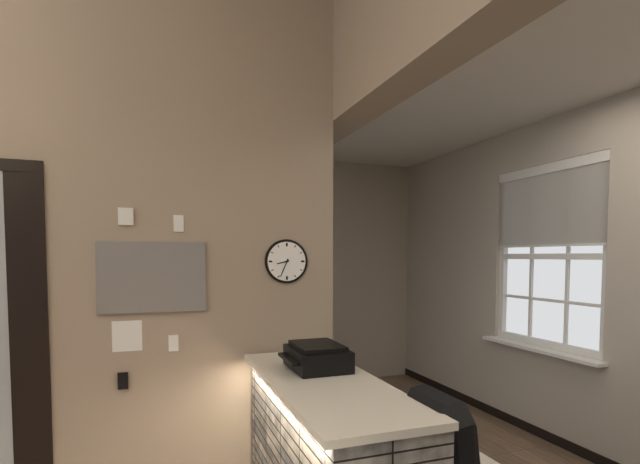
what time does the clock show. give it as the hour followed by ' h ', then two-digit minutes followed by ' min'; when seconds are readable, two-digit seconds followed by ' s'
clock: 8 h 34 min
